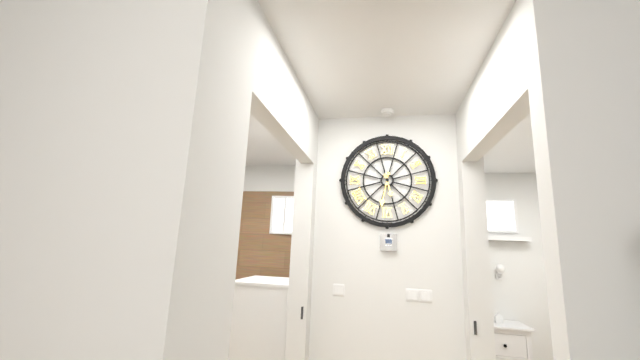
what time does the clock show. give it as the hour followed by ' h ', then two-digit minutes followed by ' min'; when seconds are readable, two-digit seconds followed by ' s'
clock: 5 h 32 min
